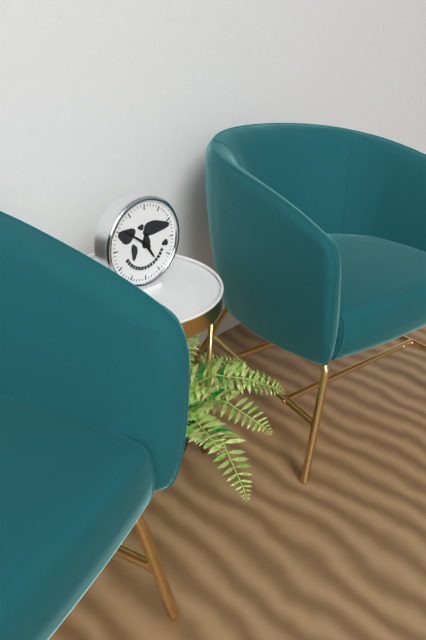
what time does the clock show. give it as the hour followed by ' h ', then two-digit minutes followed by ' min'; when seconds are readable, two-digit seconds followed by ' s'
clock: 4 h 51 min
